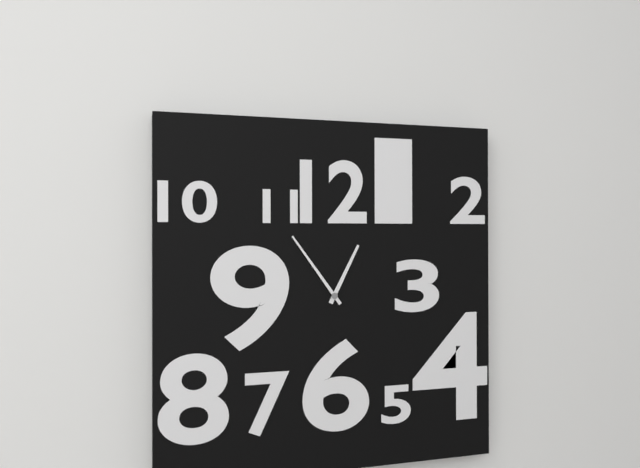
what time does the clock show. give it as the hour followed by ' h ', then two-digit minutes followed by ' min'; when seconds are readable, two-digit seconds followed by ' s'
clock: 12 h 54 min
